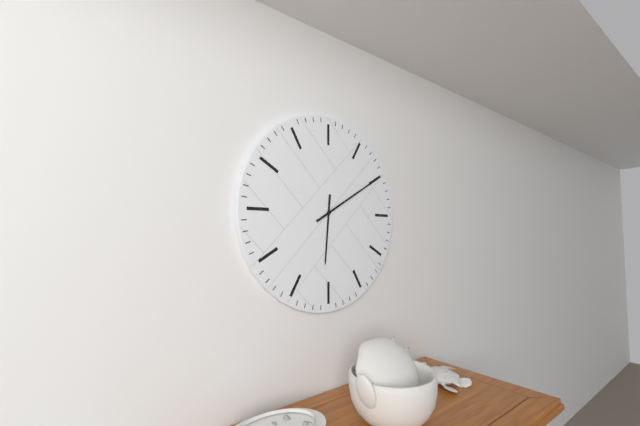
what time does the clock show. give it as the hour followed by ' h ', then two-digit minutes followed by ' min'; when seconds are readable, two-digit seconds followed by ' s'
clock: 6 h 10 min
